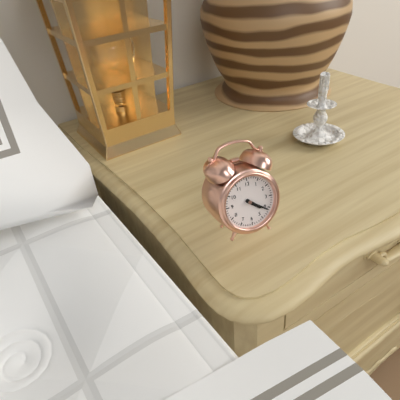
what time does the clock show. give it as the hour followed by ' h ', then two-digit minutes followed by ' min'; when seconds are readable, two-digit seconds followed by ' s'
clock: 4 h 21 min
